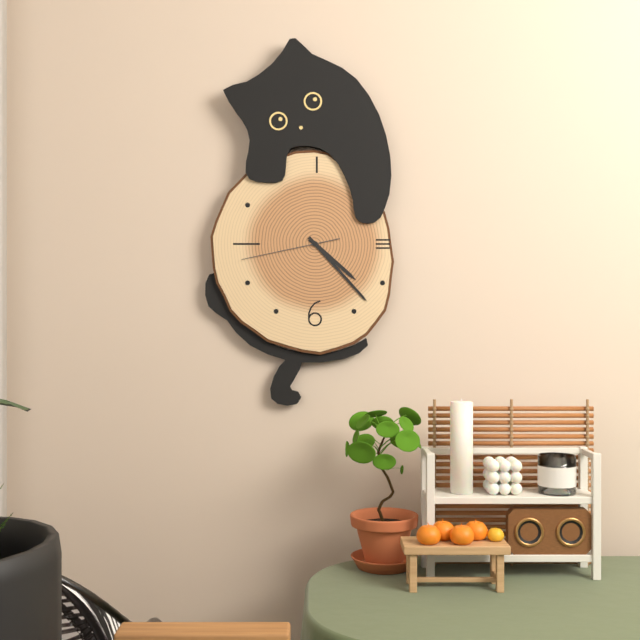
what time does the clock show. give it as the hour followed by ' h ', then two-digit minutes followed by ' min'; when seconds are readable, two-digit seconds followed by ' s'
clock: 4 h 23 min 43 s
